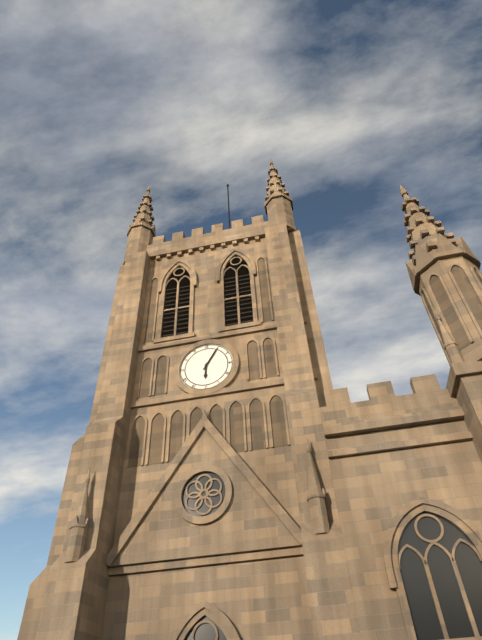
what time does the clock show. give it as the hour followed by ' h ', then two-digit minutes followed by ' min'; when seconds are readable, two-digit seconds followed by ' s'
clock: 6 h 05 min
